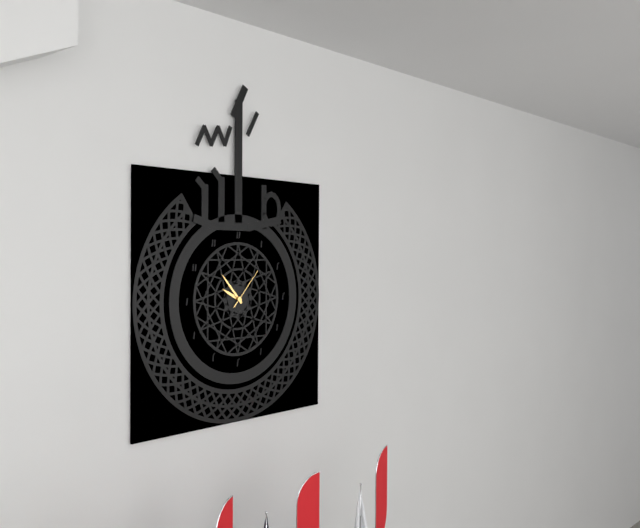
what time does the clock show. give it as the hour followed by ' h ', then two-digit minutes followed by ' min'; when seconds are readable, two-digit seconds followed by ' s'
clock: 9 h 53 min
